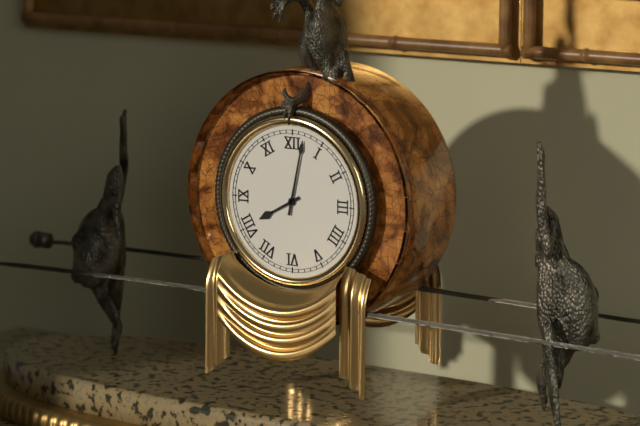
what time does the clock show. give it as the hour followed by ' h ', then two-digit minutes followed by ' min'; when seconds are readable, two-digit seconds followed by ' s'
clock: 8 h 02 min
